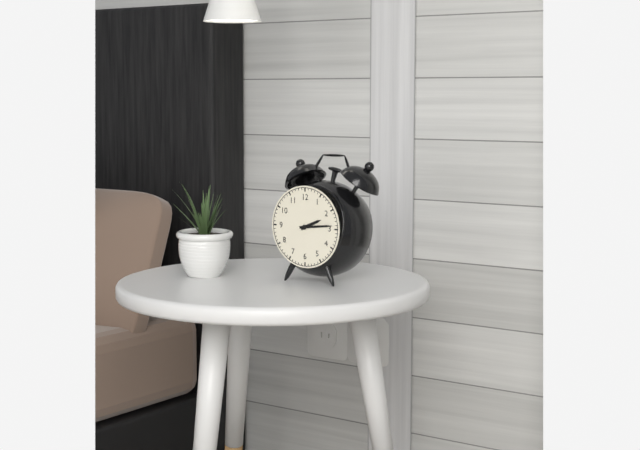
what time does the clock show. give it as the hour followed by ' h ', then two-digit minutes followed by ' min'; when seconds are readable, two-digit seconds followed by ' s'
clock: 2 h 14 min
